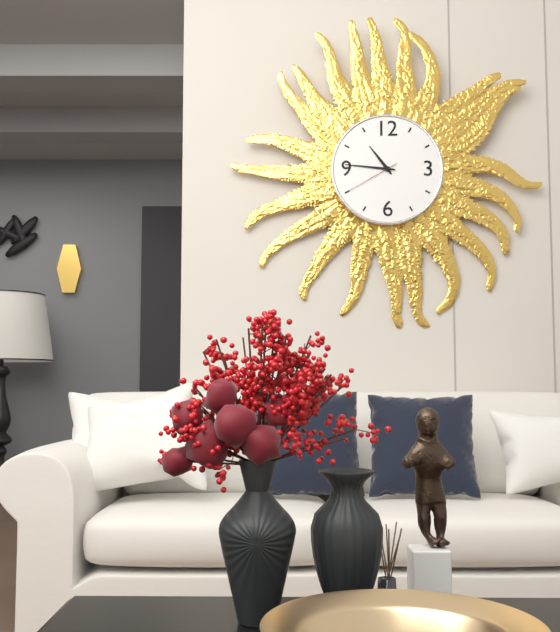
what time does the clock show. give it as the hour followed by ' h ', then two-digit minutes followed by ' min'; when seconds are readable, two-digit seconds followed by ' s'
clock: 10 h 46 min 40 s
